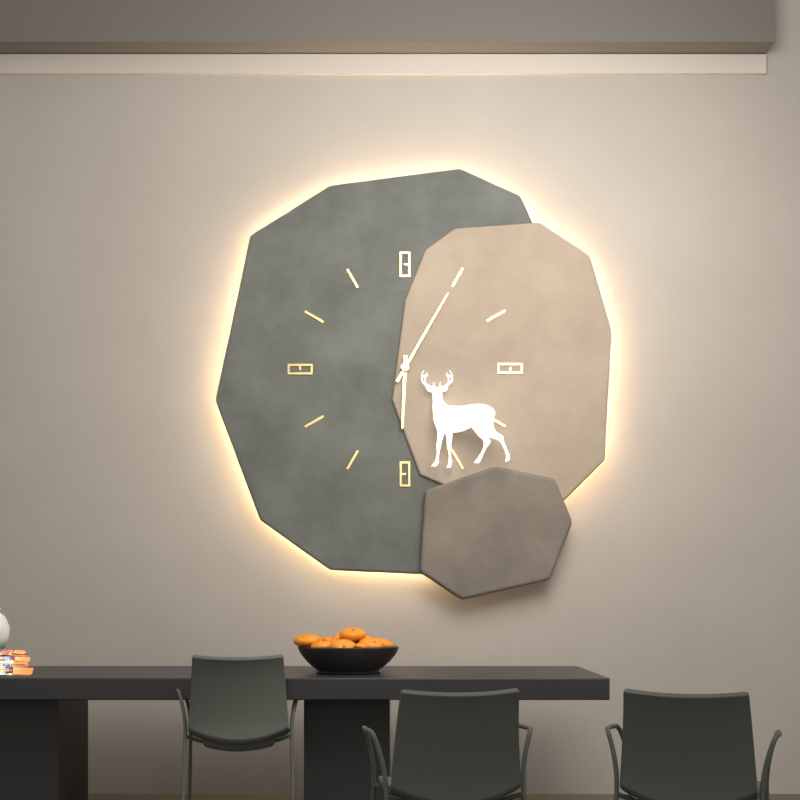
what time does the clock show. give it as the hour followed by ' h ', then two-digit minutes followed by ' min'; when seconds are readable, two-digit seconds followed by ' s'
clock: 6 h 05 min
